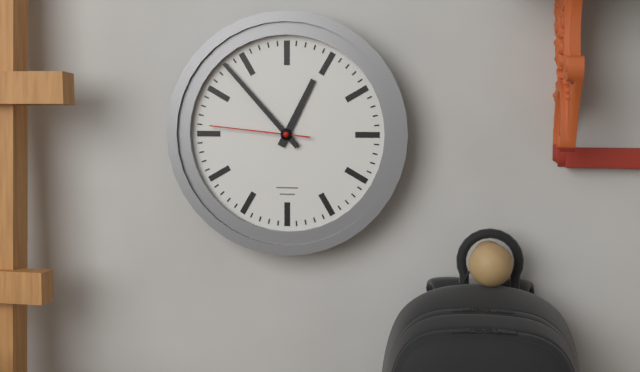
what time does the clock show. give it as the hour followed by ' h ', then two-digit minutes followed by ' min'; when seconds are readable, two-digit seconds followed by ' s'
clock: 12 h 53 min 46 s
